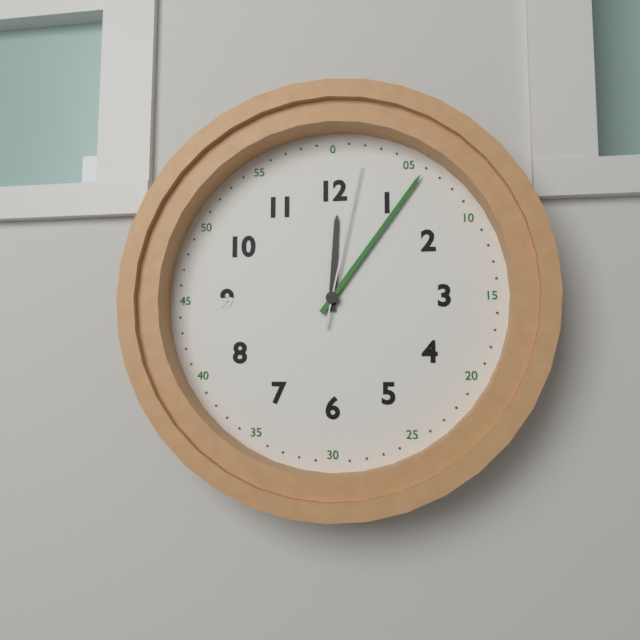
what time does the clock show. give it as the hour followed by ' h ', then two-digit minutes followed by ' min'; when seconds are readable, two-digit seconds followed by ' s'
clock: 12 h 06 min 02 s
